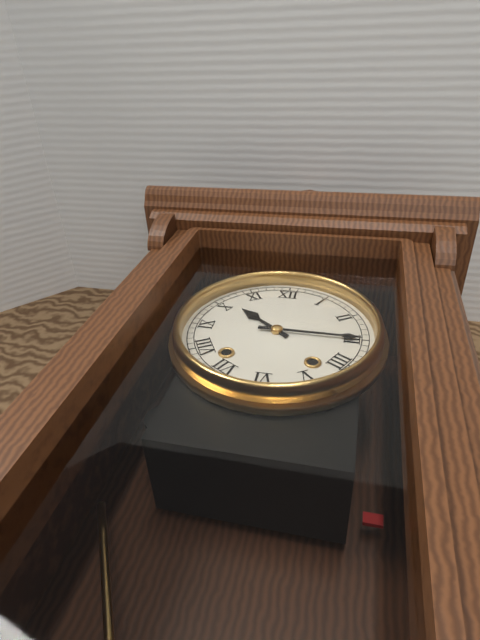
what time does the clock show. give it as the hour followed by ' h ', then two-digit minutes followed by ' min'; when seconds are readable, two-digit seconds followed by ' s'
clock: 10 h 15 min
